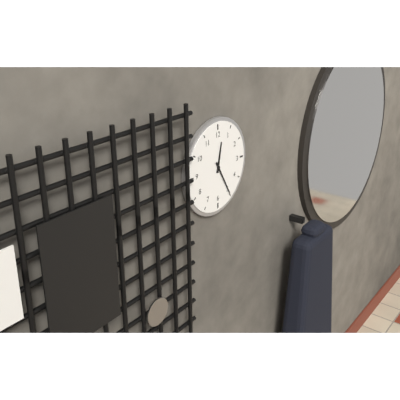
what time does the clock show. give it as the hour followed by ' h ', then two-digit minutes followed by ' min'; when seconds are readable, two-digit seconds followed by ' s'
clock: 12 h 25 min
